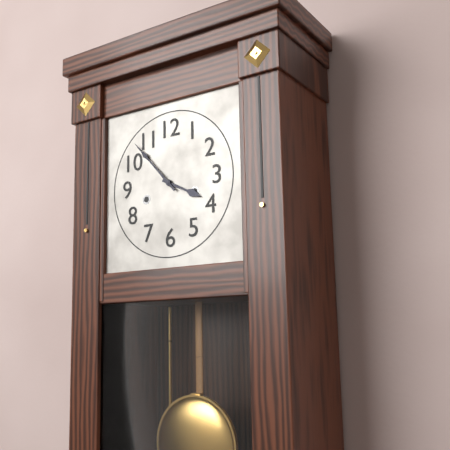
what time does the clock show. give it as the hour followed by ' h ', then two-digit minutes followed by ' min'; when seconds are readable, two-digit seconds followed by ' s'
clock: 3 h 53 min
